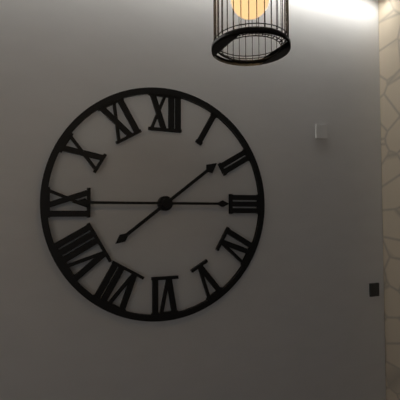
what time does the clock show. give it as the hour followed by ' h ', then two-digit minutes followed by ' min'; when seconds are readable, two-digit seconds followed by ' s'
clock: 1 h 45 min
